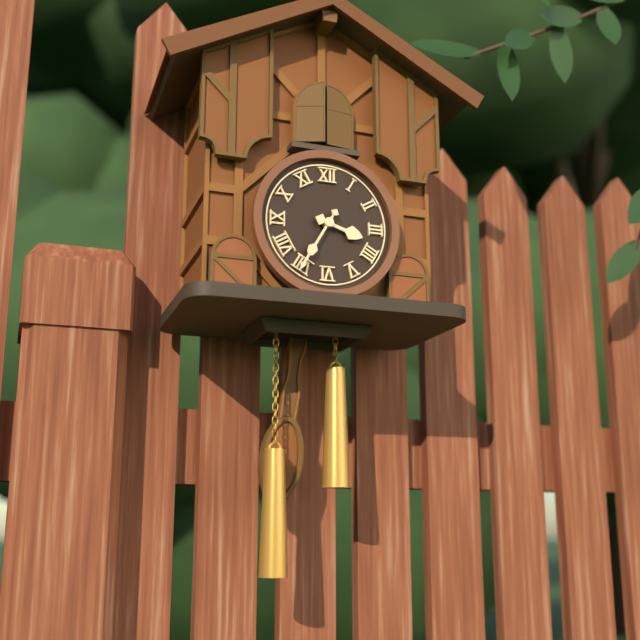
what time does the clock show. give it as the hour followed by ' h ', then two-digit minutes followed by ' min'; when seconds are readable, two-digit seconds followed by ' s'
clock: 3 h 35 min
